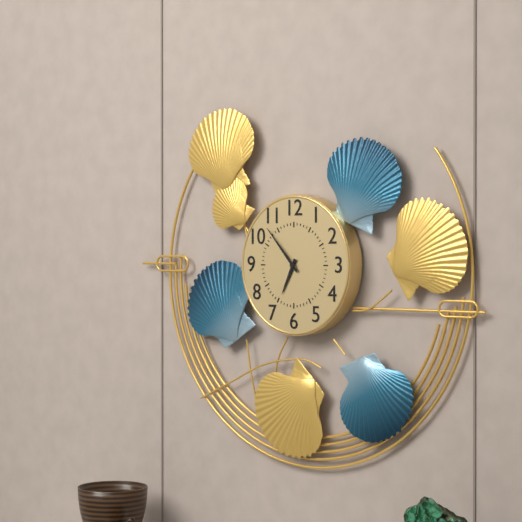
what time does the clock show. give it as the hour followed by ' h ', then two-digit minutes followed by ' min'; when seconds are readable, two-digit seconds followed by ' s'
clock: 6 h 53 min
